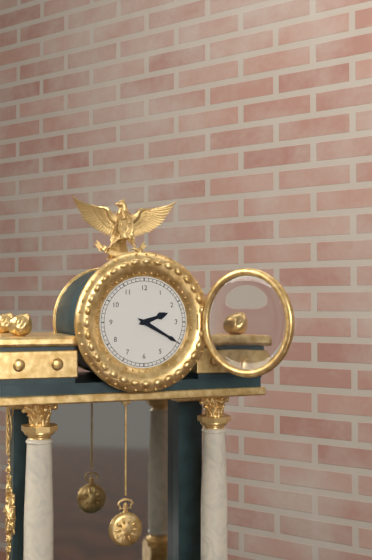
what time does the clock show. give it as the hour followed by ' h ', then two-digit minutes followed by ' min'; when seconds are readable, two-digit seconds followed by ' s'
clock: 2 h 20 min
